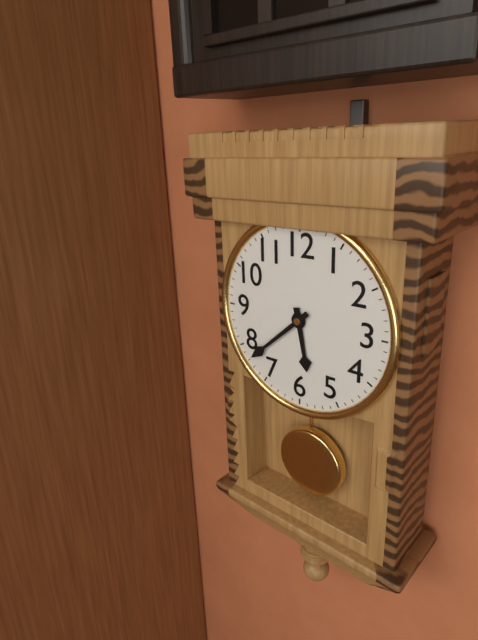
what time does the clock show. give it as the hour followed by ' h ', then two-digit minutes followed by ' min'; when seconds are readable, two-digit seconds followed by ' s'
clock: 5 h 38 min
